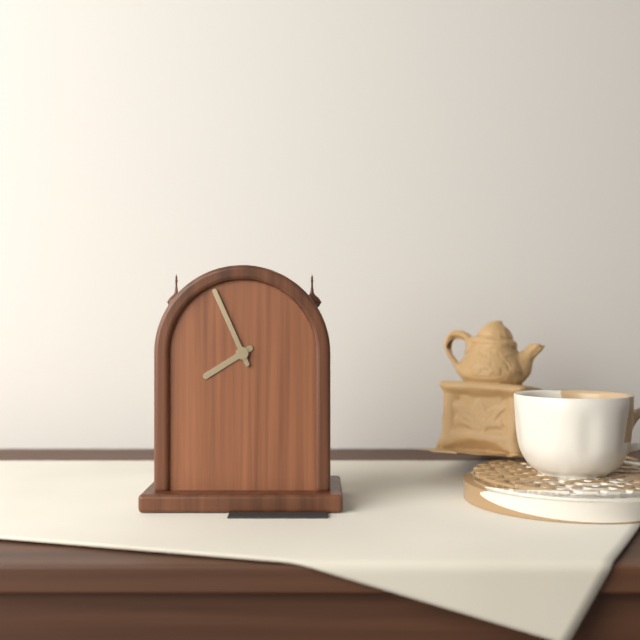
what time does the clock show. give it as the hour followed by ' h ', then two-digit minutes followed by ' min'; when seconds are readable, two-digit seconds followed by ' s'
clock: 7 h 56 min
